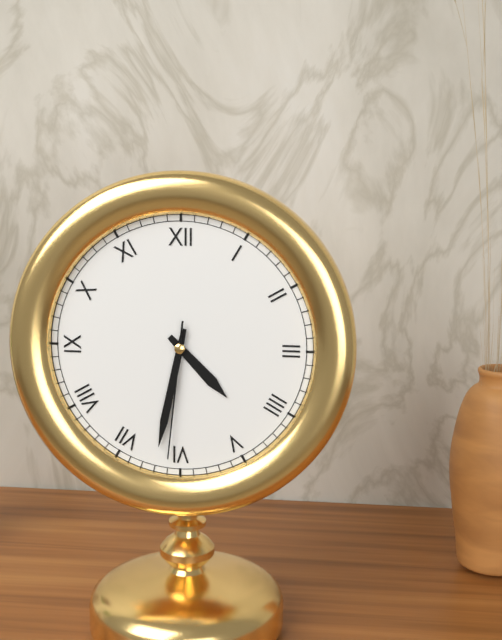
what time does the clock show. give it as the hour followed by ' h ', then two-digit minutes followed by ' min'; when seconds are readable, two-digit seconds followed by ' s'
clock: 4 h 32 min 31 s
